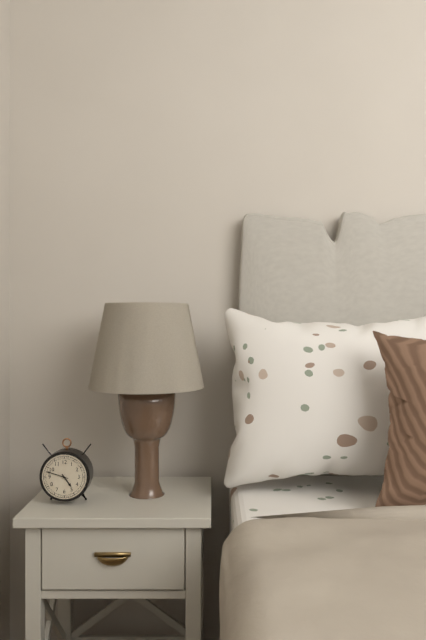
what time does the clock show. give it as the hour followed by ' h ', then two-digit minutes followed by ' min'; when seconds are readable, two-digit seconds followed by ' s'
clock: 4 h 48 min
